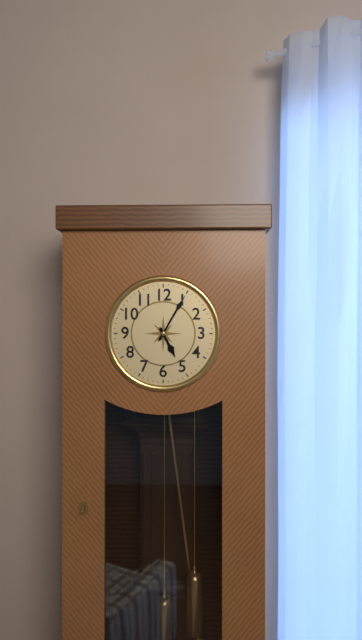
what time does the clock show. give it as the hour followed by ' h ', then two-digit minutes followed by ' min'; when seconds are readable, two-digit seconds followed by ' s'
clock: 5 h 05 min
